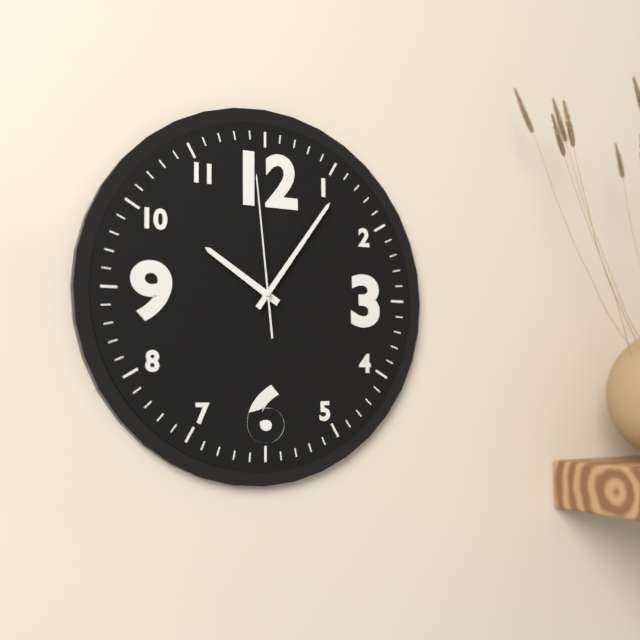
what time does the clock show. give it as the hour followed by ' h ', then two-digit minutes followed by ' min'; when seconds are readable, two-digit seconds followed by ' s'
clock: 10 h 06 min 59 s
